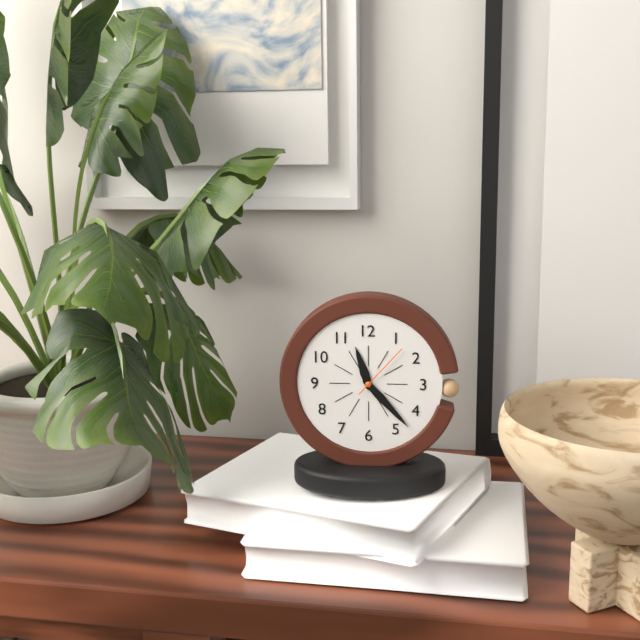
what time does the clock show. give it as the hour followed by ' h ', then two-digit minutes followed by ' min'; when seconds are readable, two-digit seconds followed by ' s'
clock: 11 h 23 min 07 s
